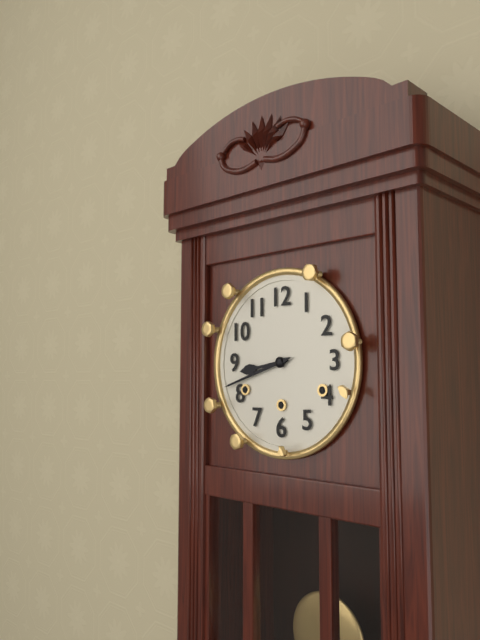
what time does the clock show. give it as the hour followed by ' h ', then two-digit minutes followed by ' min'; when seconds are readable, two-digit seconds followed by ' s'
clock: 8 h 42 min
